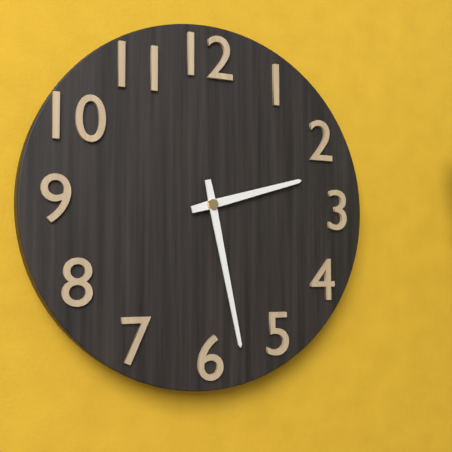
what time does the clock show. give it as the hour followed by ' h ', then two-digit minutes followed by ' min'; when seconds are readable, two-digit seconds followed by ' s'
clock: 2 h 28 min
